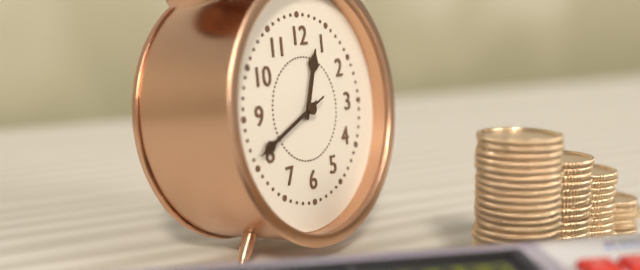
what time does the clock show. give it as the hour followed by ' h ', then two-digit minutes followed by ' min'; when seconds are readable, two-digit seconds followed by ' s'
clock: 12 h 41 min 41 s
